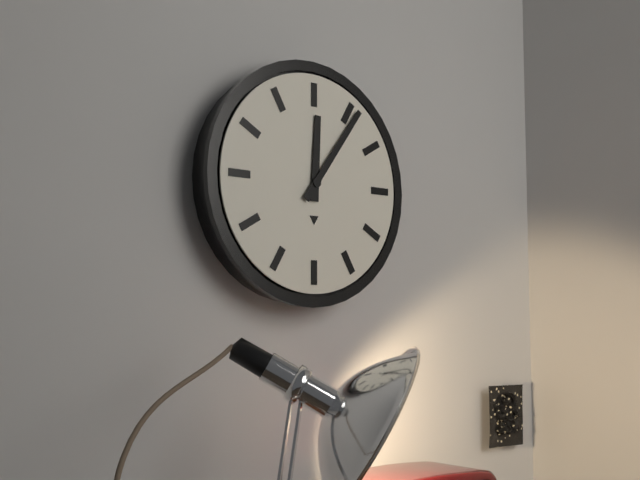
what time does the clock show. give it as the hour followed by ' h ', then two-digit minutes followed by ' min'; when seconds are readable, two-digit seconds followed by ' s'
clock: 12 h 06 min
